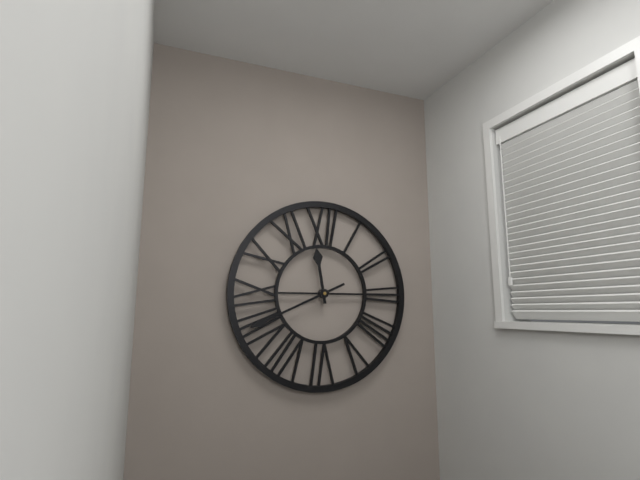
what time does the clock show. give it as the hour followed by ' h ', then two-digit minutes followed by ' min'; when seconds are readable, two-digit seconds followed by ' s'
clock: 11 h 41 min
